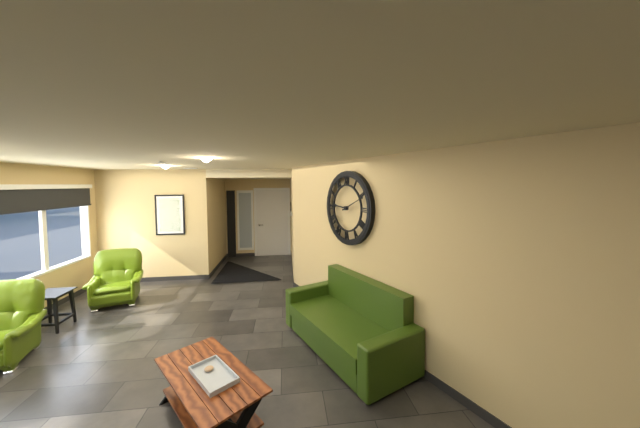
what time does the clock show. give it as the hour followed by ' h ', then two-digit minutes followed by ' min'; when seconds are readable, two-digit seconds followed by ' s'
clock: 9 h 11 min
